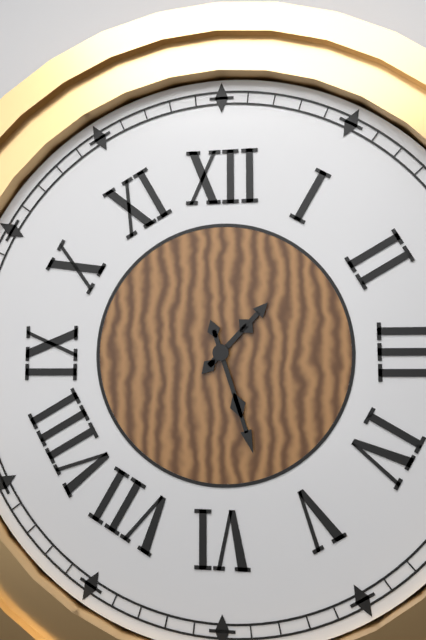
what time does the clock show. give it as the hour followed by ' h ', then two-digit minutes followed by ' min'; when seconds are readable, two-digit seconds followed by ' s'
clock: 1 h 27 min
